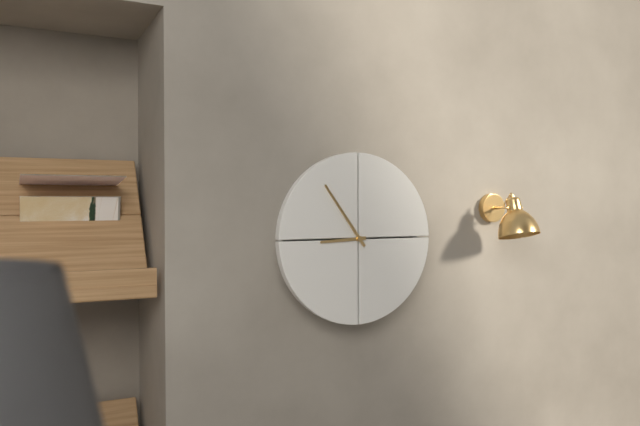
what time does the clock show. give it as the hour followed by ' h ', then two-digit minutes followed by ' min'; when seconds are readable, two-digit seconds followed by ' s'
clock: 8 h 54 min
